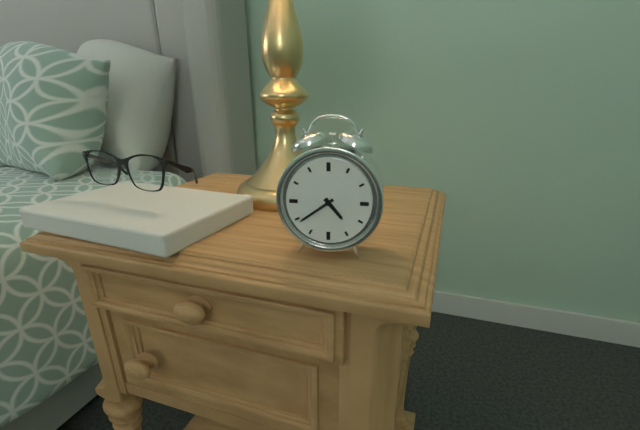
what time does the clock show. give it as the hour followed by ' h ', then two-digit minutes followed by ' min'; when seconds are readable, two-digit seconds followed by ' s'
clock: 4 h 39 min
